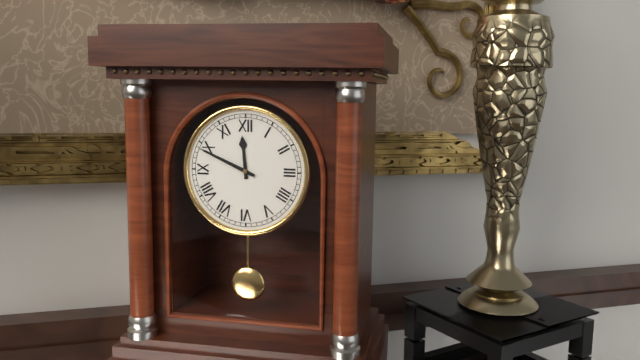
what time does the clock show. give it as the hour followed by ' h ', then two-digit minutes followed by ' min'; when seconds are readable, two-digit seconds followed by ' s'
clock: 11 h 49 min
